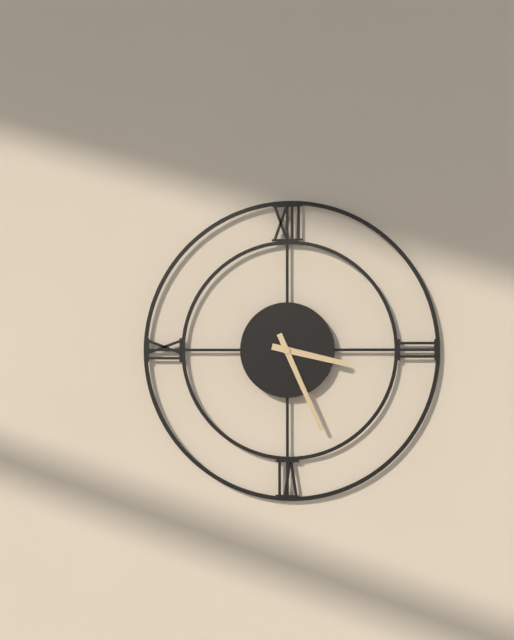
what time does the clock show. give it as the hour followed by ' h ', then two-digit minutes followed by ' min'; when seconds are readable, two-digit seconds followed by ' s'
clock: 3 h 26 min
